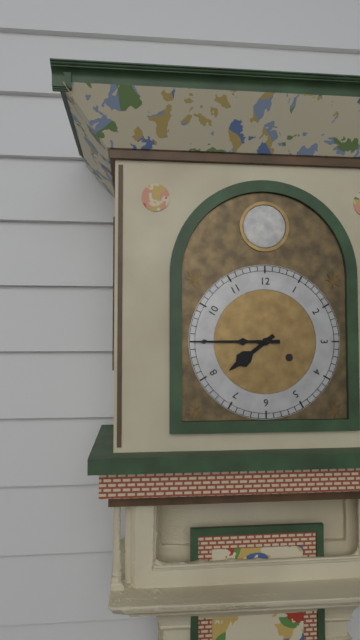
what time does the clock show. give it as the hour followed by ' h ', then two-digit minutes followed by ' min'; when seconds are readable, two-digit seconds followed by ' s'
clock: 7 h 45 min
